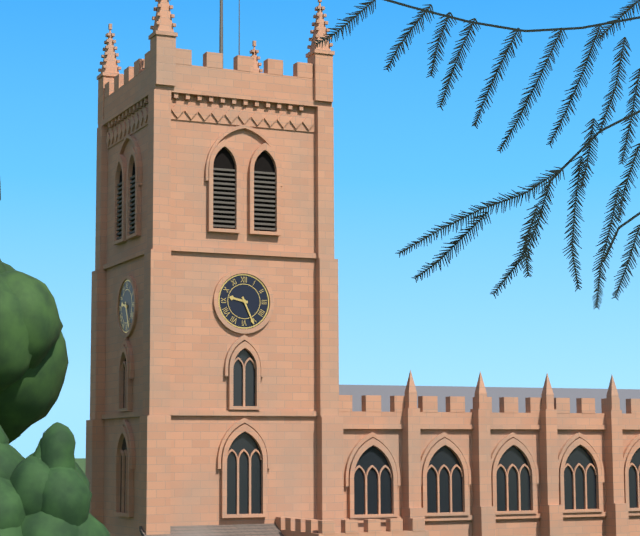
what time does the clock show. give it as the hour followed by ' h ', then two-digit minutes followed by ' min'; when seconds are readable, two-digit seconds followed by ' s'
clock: 9 h 26 min
